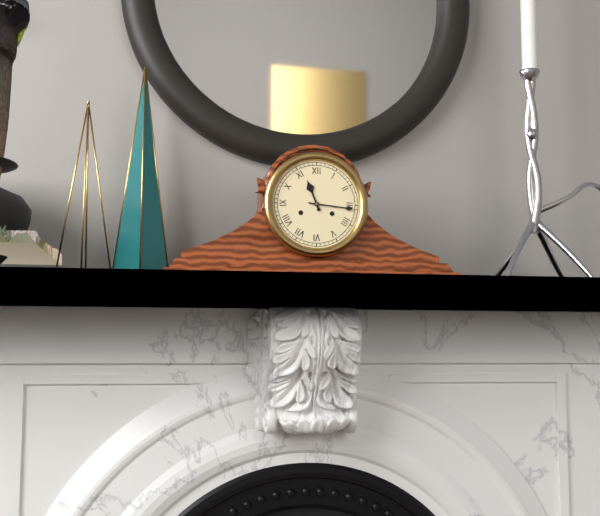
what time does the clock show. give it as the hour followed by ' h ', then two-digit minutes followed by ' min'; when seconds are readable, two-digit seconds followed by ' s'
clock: 11 h 16 min
